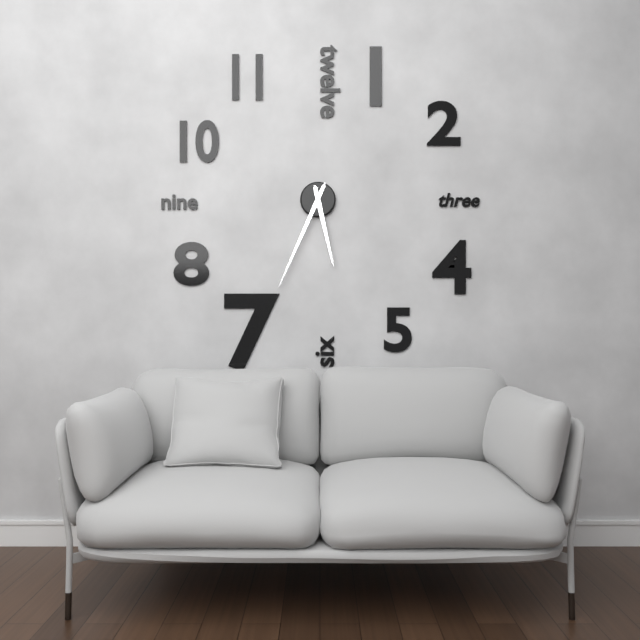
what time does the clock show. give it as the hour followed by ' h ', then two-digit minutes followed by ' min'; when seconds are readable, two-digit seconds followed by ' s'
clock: 5 h 34 min
